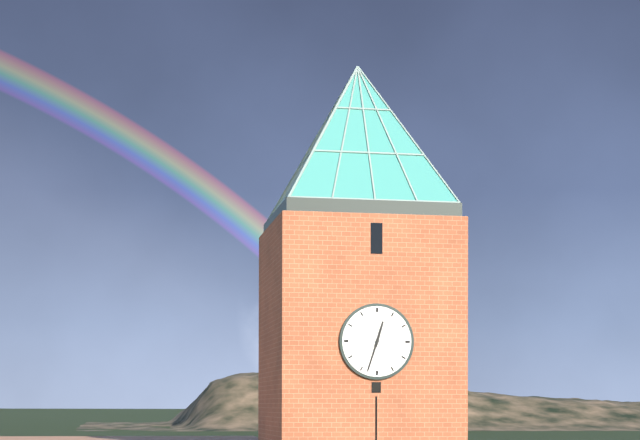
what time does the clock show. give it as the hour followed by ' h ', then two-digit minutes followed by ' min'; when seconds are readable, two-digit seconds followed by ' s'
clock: 12 h 33 min
